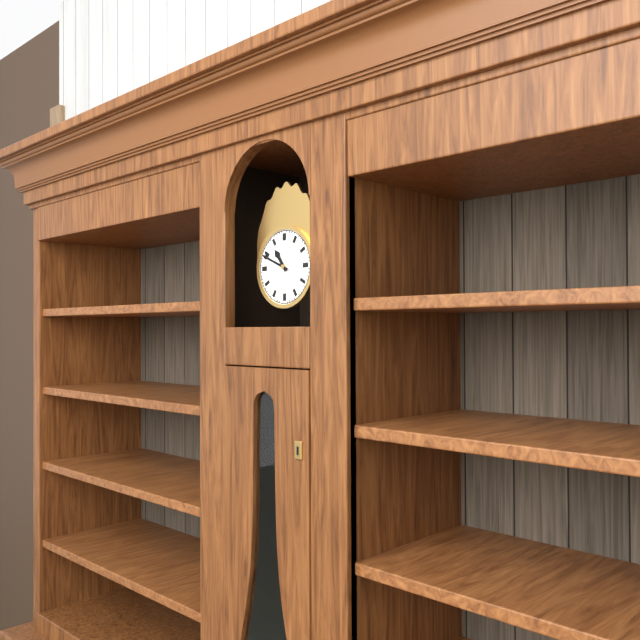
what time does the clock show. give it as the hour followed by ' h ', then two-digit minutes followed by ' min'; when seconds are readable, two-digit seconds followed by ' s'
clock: 10 h 49 min
